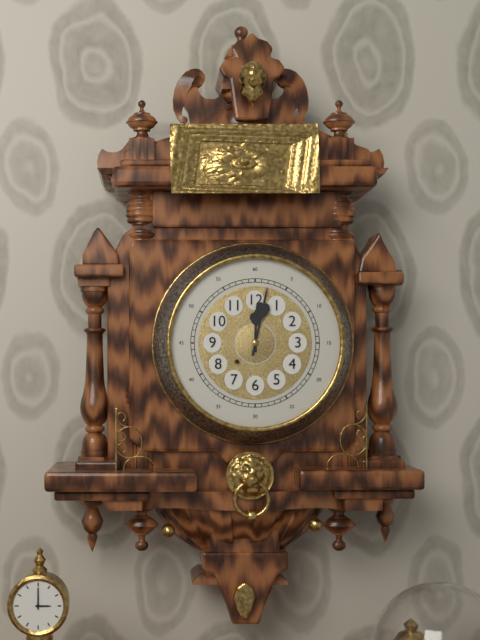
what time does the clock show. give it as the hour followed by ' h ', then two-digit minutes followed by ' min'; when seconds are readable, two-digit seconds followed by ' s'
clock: 12 h 02 min
